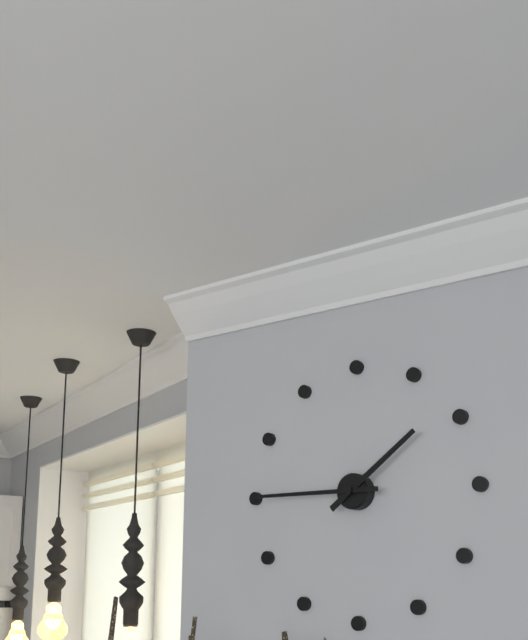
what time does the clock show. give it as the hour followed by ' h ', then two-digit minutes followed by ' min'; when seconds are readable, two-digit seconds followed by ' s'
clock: 1 h 45 min
